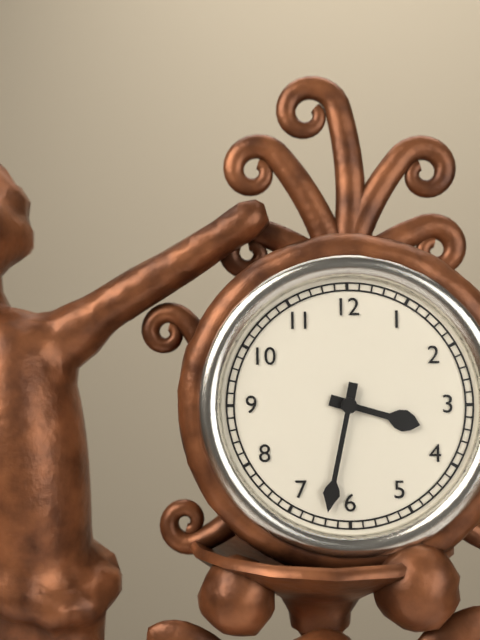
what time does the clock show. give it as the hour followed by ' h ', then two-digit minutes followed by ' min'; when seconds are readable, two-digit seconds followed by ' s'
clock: 3 h 32 min
